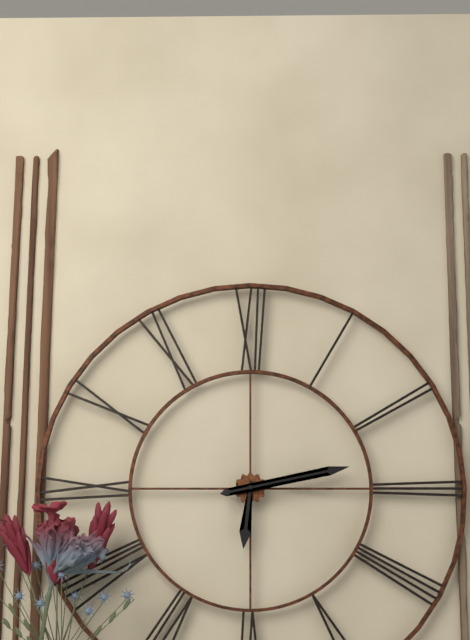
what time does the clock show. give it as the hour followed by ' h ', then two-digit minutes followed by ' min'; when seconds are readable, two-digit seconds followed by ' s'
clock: 6 h 13 min
